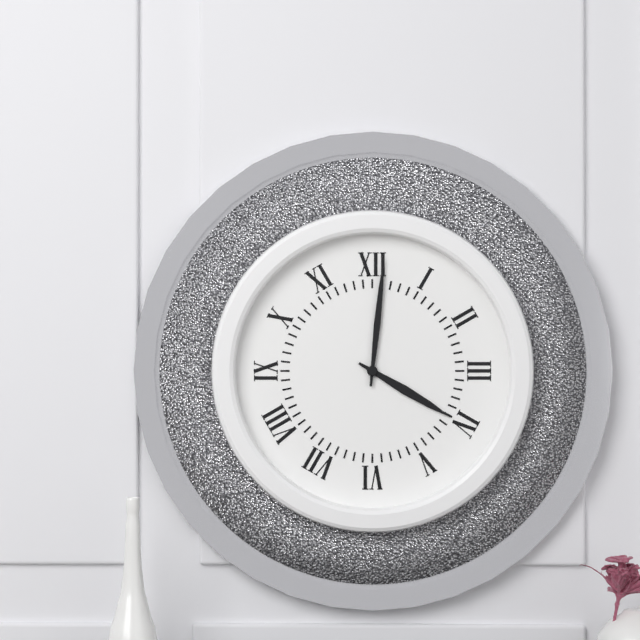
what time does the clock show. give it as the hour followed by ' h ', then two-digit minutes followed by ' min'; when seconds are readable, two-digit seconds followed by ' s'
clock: 4 h 01 min
